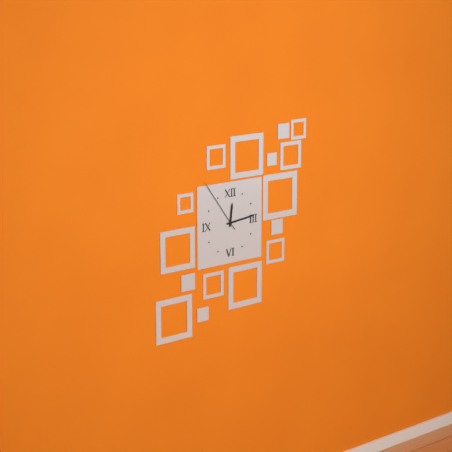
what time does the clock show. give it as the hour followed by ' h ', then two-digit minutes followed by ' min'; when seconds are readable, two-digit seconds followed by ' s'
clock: 12 h 14 min 54 s
